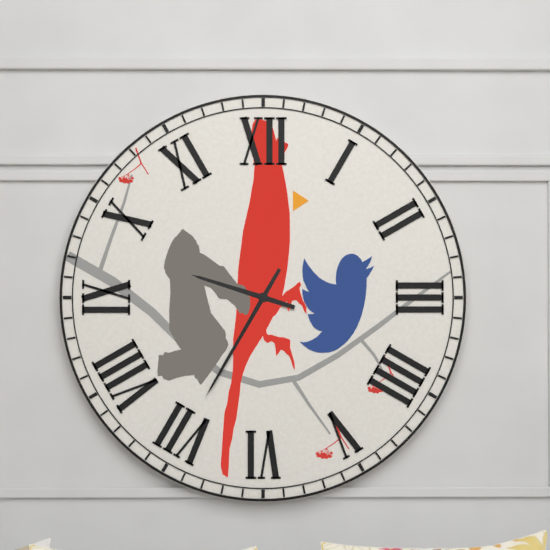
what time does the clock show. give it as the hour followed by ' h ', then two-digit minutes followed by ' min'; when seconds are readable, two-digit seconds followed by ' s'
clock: 9 h 35 min
